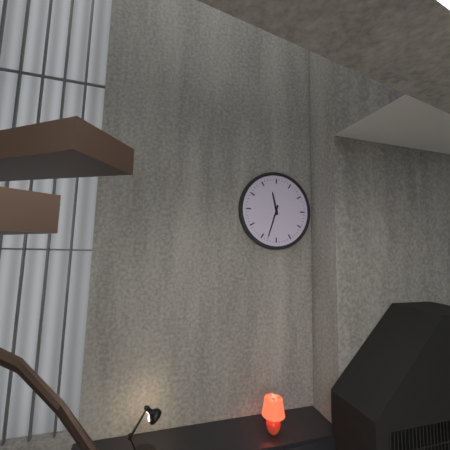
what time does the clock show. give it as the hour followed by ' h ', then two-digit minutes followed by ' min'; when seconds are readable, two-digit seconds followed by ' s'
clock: 11 h 33 min
